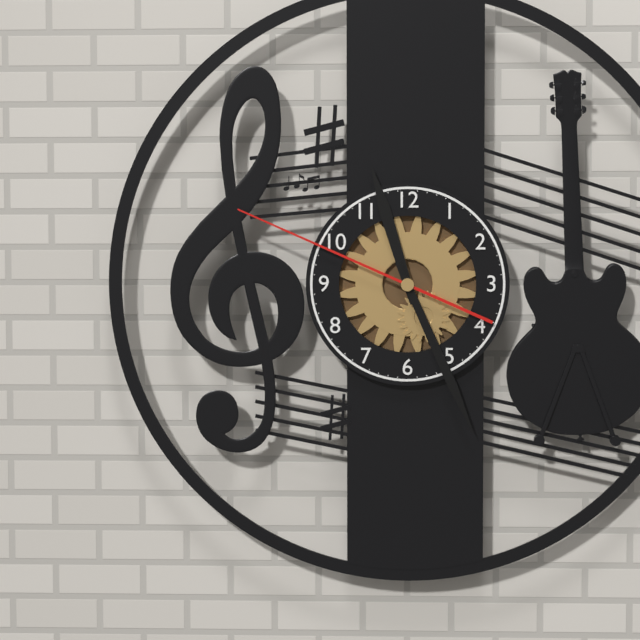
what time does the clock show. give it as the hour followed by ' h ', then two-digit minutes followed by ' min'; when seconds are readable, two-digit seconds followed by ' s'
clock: 11 h 26 min 49 s
